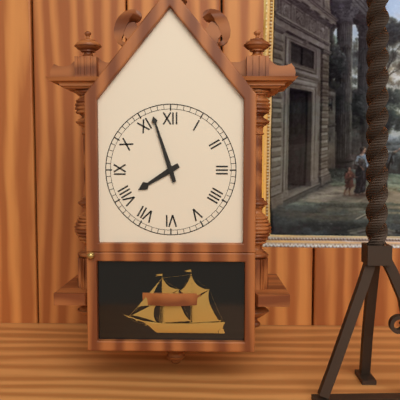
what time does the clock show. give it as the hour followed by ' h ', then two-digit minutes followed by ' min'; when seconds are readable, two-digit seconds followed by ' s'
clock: 7 h 57 min
